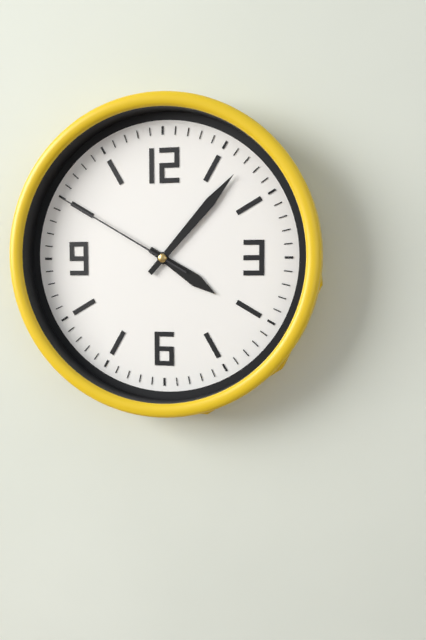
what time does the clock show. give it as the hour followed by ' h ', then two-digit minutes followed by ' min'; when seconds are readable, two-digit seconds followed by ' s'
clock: 4 h 07 min 50 s
